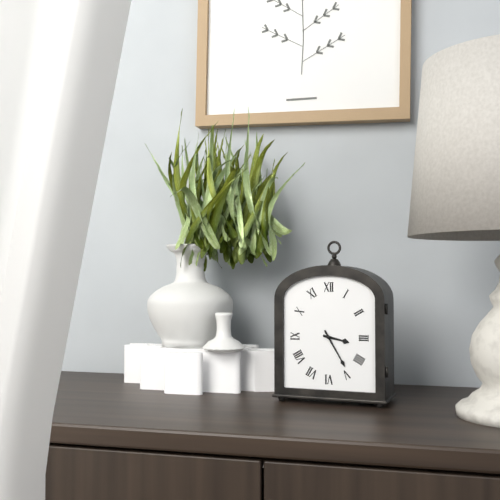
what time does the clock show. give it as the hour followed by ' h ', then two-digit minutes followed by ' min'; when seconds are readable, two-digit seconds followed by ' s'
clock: 3 h 25 min
